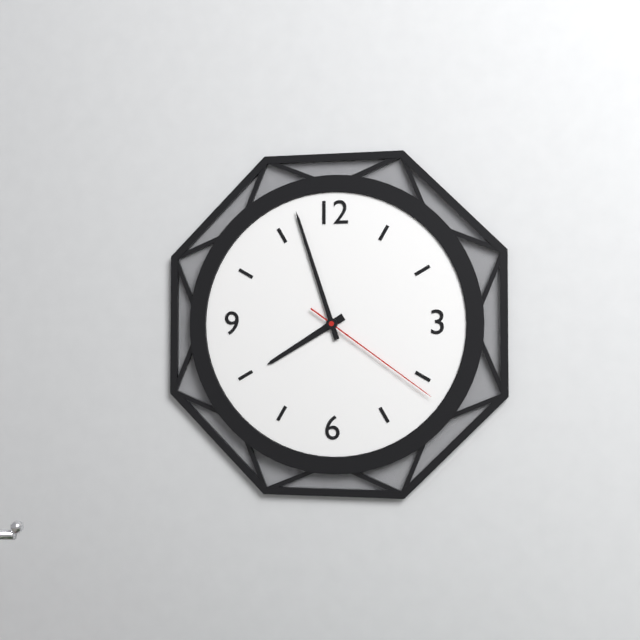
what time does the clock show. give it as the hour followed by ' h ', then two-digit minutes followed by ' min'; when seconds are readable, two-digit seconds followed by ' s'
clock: 7 h 57 min 21 s
